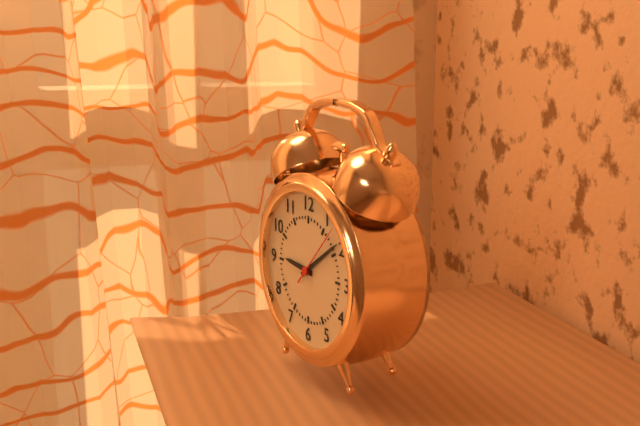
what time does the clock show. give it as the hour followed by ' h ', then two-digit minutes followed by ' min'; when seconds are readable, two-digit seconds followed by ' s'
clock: 9 h 09 min 07 s
